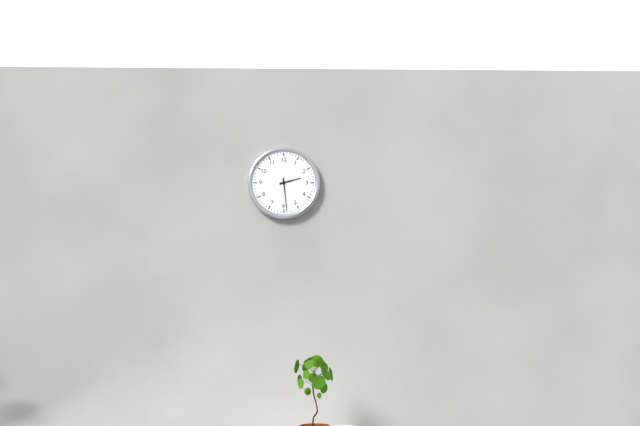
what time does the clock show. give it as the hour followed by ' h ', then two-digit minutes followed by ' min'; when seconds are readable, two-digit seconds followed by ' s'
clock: 2 h 29 min
